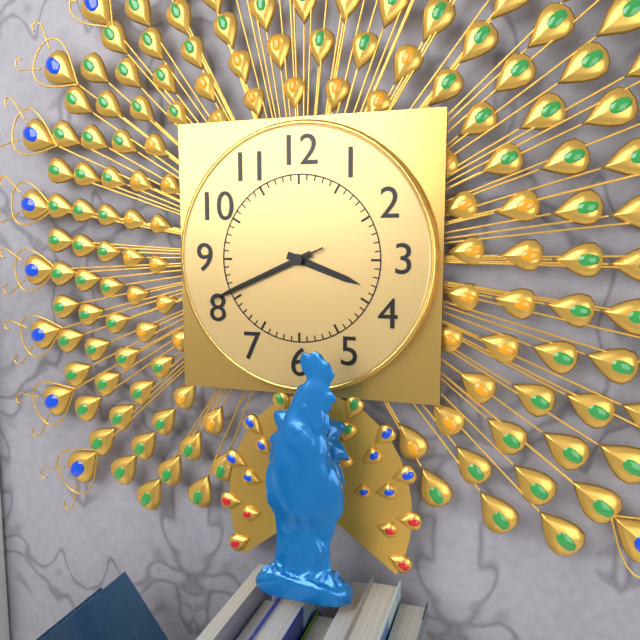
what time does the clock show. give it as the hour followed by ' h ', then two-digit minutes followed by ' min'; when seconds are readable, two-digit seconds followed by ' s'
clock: 3 h 41 min 41 s
